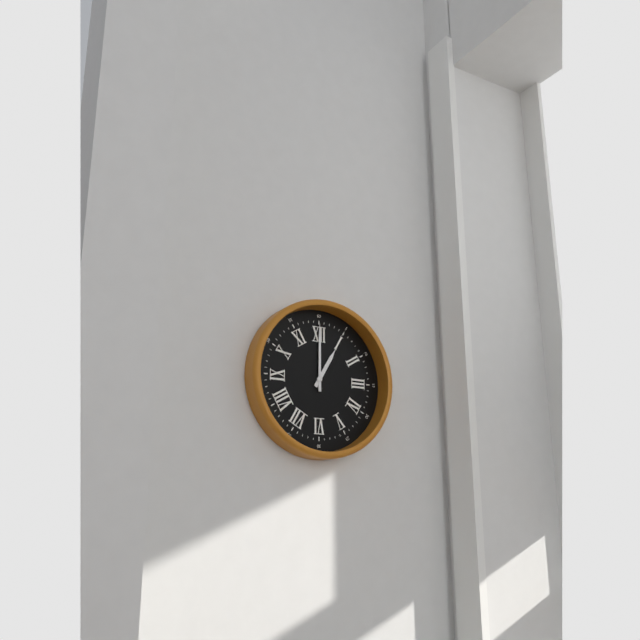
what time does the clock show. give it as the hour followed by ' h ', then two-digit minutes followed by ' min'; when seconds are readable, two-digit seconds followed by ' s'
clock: 1 h 00 min
